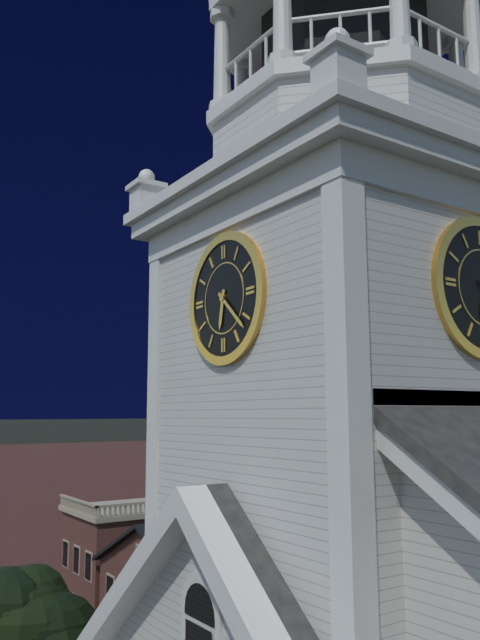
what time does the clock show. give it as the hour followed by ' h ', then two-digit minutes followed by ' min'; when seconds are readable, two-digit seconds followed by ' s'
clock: 6 h 22 min
